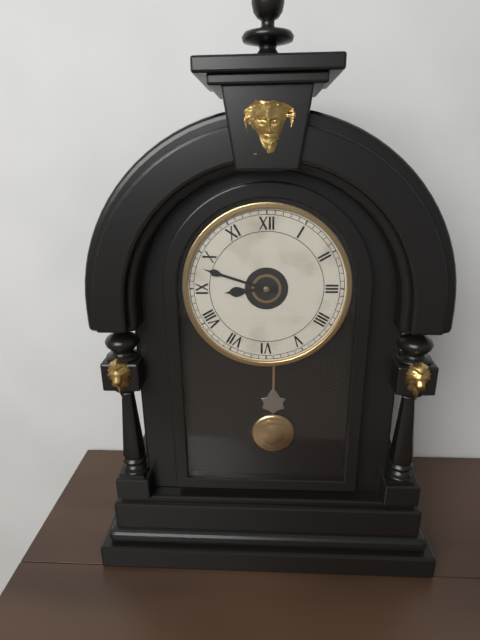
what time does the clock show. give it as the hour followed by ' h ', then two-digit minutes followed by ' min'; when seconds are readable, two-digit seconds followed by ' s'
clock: 8 h 48 min
